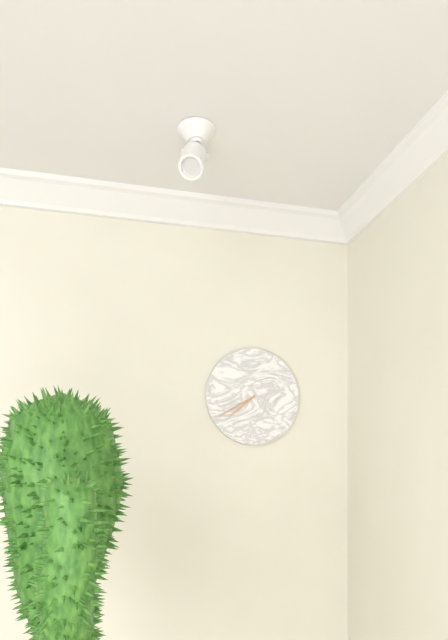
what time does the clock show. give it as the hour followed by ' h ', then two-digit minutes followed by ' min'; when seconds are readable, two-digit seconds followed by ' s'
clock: 7 h 40 min
